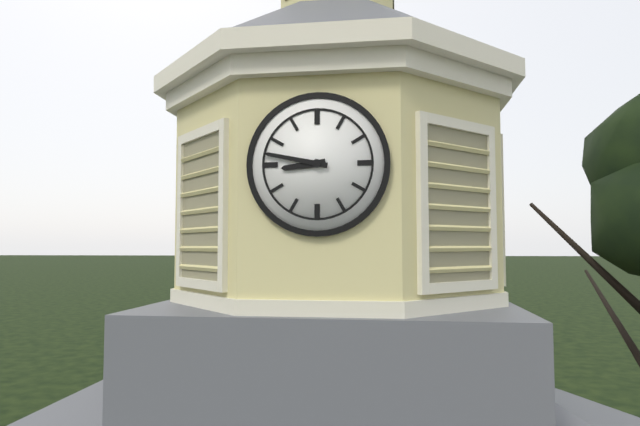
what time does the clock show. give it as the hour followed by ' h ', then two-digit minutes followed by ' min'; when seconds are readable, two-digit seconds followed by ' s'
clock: 8 h 47 min
